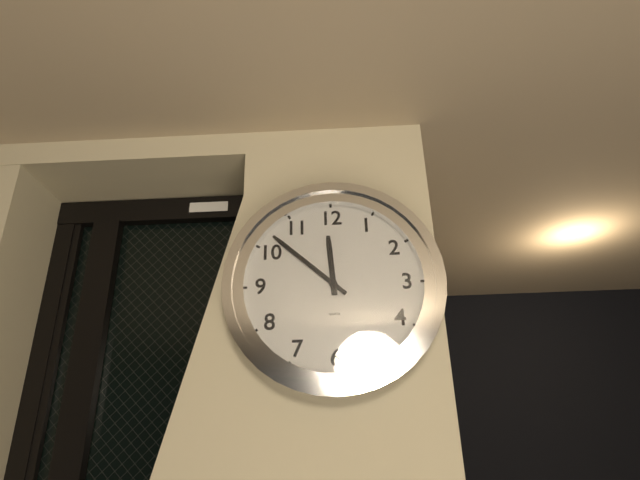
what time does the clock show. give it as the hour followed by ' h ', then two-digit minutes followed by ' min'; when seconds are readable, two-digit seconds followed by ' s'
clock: 11 h 52 min
